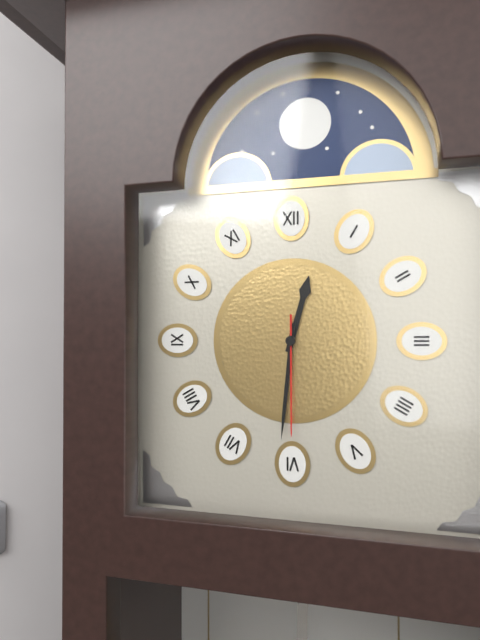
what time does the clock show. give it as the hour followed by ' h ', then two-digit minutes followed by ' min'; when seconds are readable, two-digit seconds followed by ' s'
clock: 12 h 31 min 30 s
